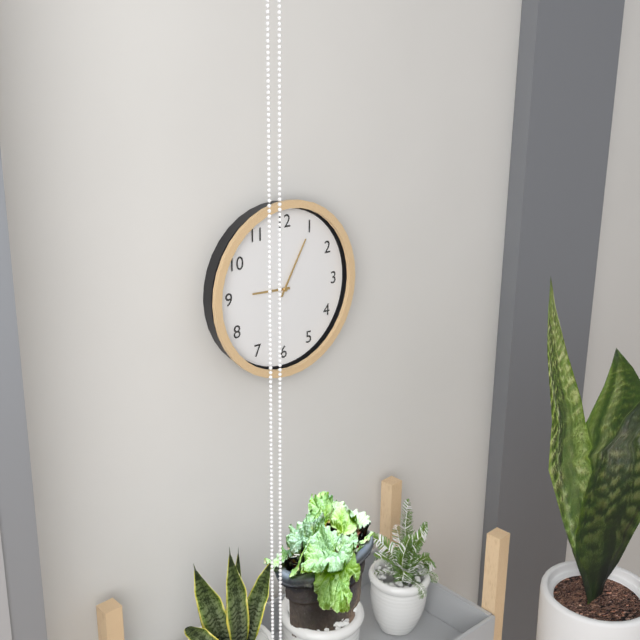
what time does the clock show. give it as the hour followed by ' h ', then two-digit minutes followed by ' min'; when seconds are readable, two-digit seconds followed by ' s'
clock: 9 h 05 min
